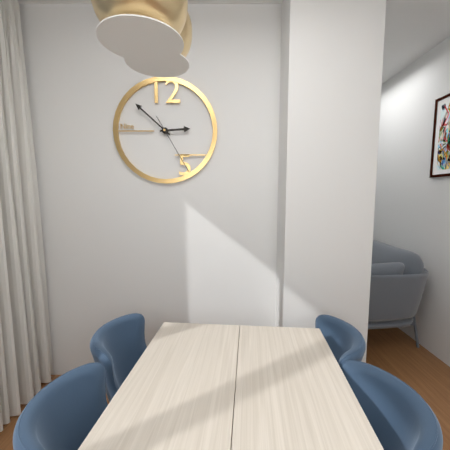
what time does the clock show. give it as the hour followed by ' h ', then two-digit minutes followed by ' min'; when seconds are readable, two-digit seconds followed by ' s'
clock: 2 h 52 min 25 s
